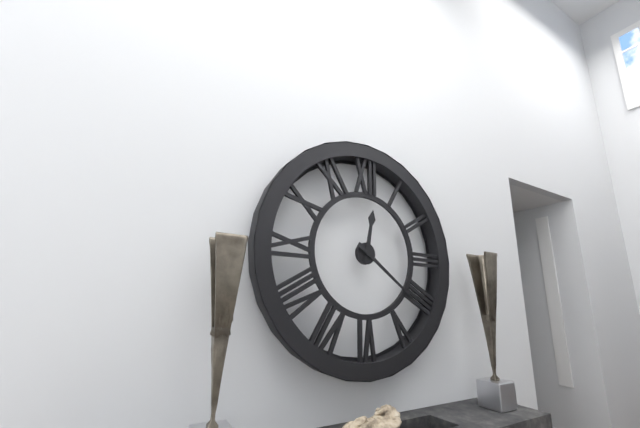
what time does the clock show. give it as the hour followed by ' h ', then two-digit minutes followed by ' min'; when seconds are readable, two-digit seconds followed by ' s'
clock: 12 h 21 min
